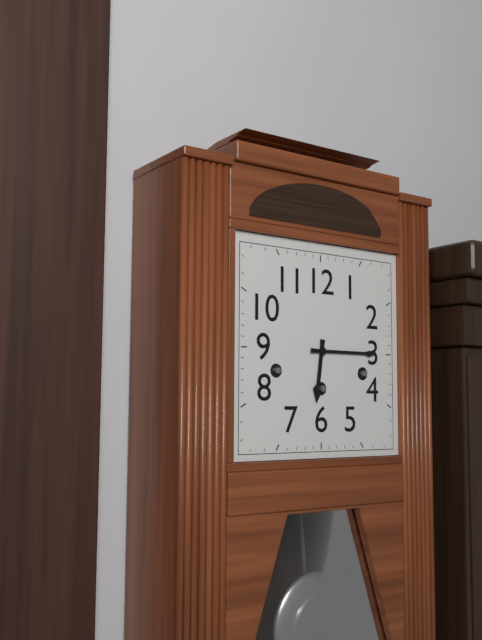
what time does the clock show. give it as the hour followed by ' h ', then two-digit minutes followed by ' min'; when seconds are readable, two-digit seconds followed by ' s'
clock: 6 h 15 min
